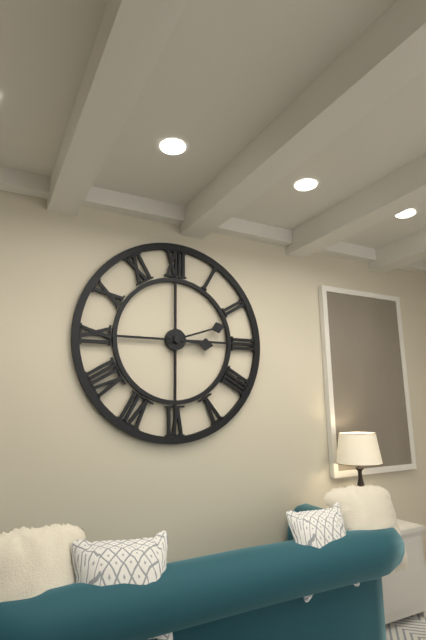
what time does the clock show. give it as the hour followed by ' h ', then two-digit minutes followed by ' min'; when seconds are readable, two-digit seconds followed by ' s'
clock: 3 h 12 min
